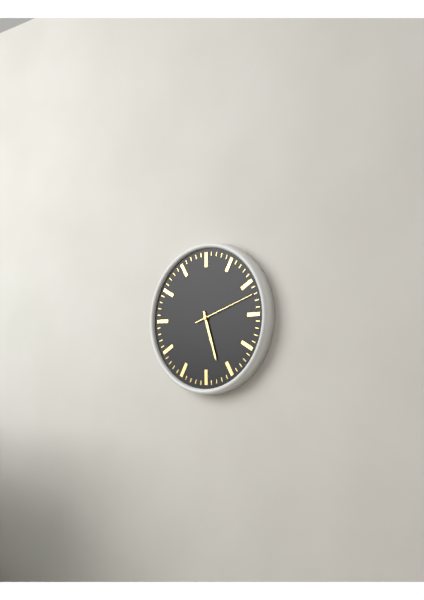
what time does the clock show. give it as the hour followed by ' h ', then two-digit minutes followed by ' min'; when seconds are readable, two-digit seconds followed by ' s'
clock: 5 h 27 min 12 s
